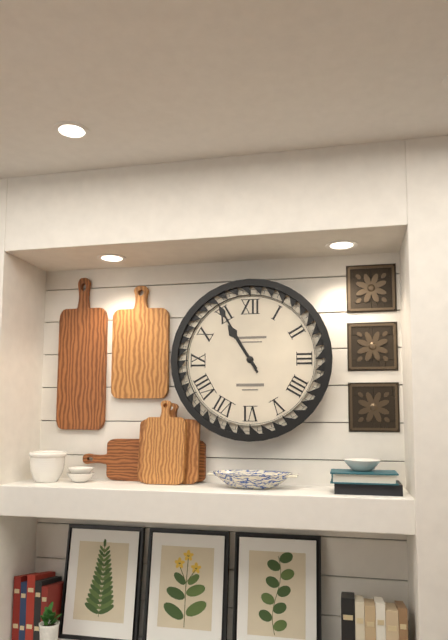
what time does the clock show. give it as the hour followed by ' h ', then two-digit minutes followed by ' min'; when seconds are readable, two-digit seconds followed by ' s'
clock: 10 h 55 min
